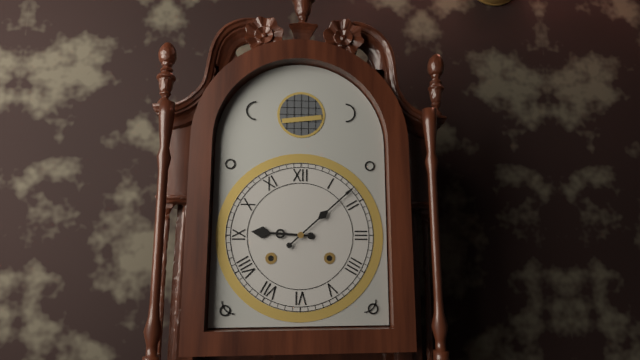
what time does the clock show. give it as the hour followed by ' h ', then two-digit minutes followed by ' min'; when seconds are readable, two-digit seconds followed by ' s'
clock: 9 h 08 min
